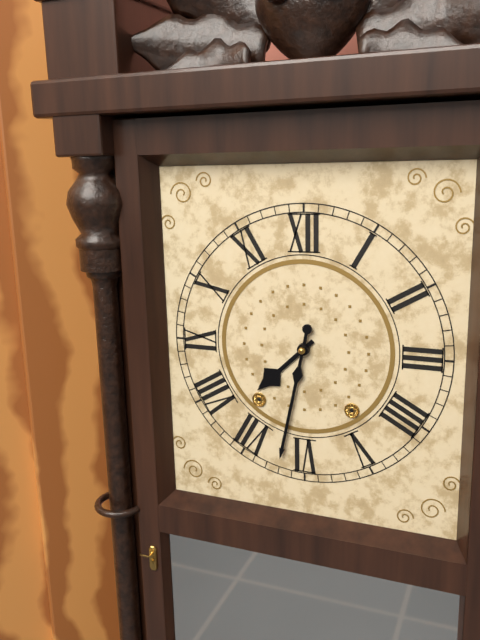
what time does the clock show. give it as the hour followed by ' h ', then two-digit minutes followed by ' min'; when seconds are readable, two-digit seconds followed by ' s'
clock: 7 h 32 min
